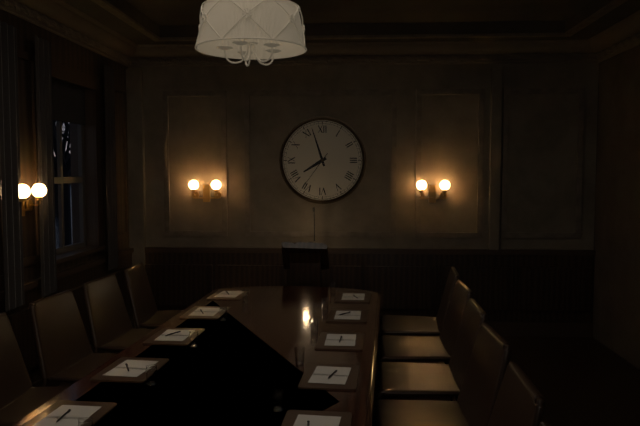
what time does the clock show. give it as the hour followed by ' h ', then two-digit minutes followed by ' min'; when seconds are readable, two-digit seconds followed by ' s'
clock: 7 h 57 min
